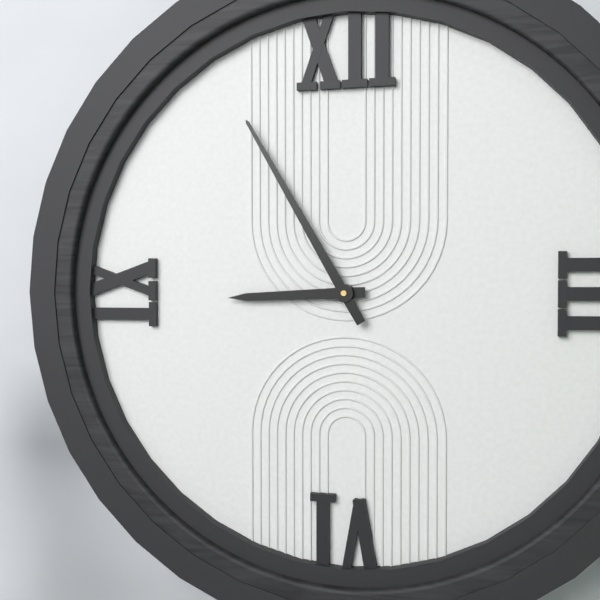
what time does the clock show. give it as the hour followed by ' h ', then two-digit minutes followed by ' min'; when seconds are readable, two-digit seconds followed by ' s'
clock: 8 h 55 min
